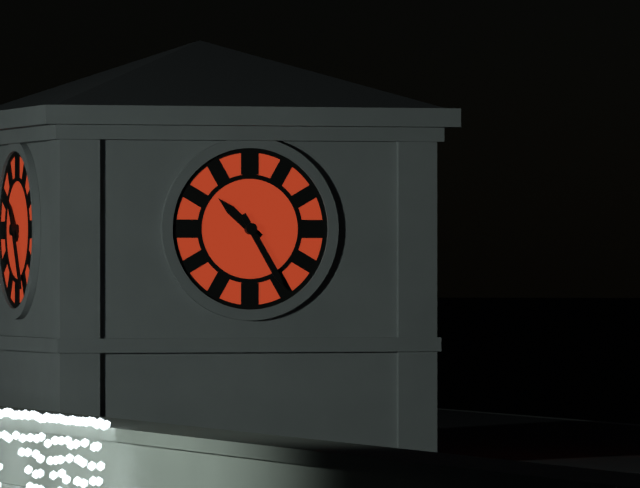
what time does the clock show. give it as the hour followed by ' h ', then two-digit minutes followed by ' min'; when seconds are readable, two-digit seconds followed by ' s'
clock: 10 h 25 min
